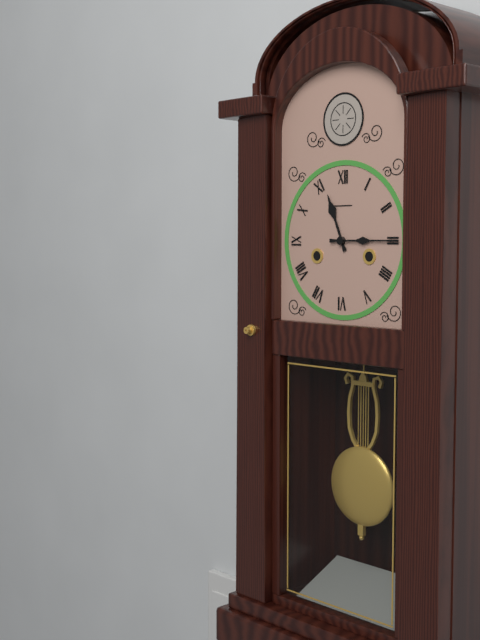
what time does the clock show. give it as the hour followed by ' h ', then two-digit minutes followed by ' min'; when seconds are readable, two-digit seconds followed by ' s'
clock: 11 h 15 min
